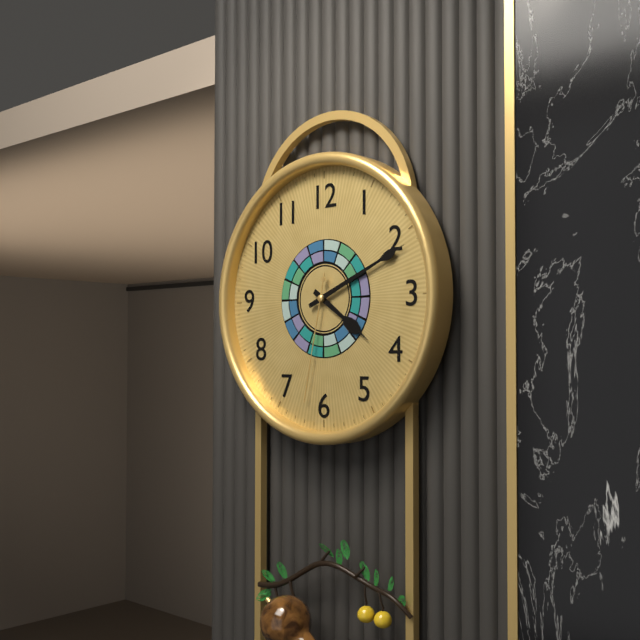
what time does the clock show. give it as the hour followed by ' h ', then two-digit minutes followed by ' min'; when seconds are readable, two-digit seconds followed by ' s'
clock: 4 h 11 min 32 s
